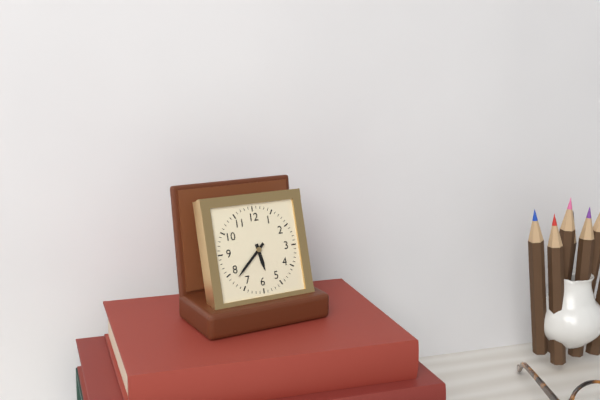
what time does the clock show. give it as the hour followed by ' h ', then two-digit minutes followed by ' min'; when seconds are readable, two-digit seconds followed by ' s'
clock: 5 h 38 min
